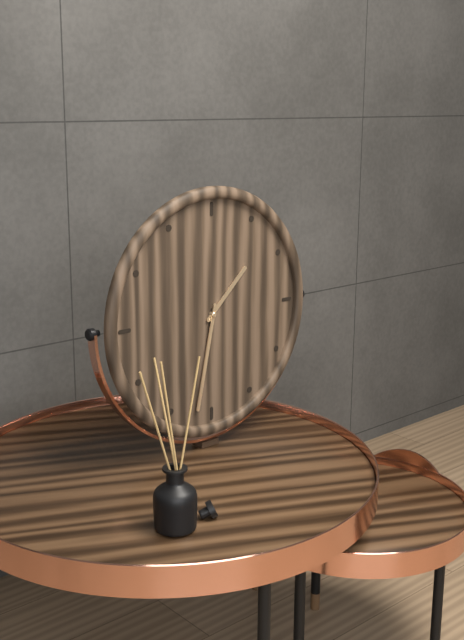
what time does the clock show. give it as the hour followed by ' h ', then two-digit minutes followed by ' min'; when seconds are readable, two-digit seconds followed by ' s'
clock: 1 h 32 min
